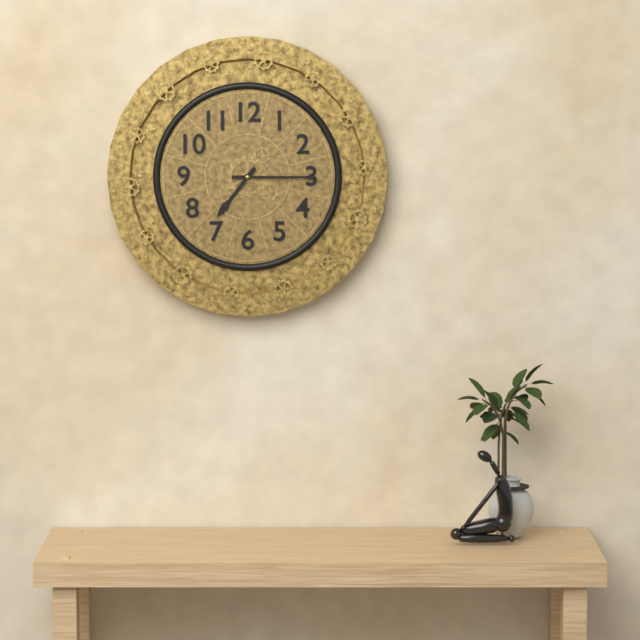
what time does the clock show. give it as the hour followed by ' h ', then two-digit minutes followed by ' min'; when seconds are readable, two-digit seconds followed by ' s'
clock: 7 h 15 min
